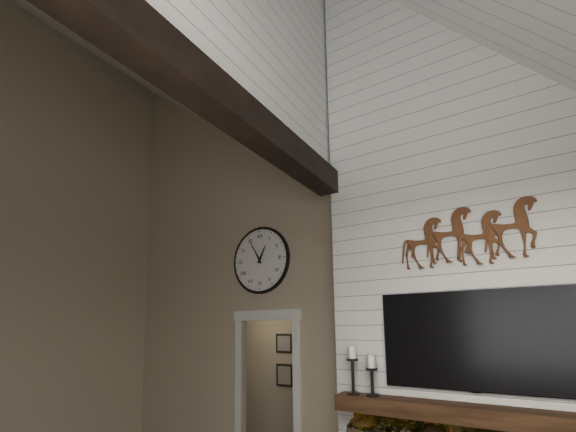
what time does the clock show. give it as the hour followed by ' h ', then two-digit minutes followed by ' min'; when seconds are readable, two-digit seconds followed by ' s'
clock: 12 h 55 min
